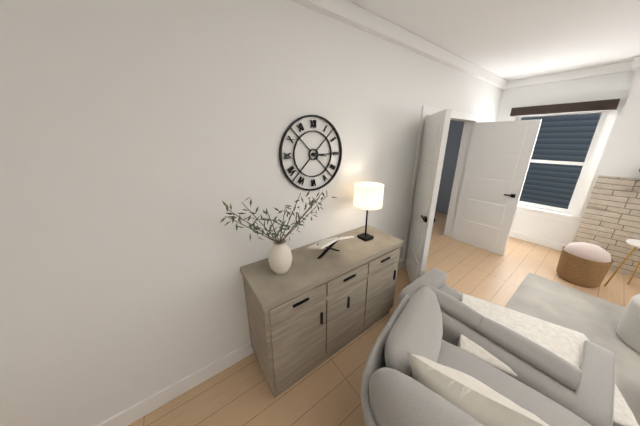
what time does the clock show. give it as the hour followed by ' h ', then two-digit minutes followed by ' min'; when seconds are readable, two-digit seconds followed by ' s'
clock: 3 h 15 min
